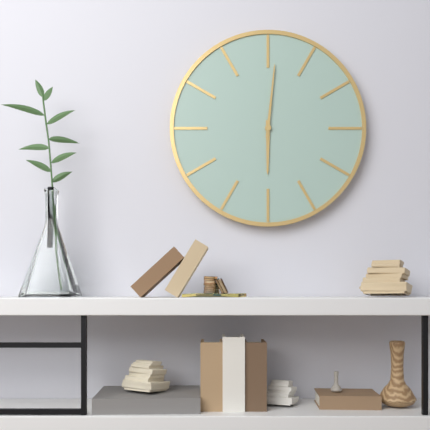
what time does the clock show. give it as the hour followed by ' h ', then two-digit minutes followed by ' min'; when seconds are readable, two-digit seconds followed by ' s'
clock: 6 h 01 min
